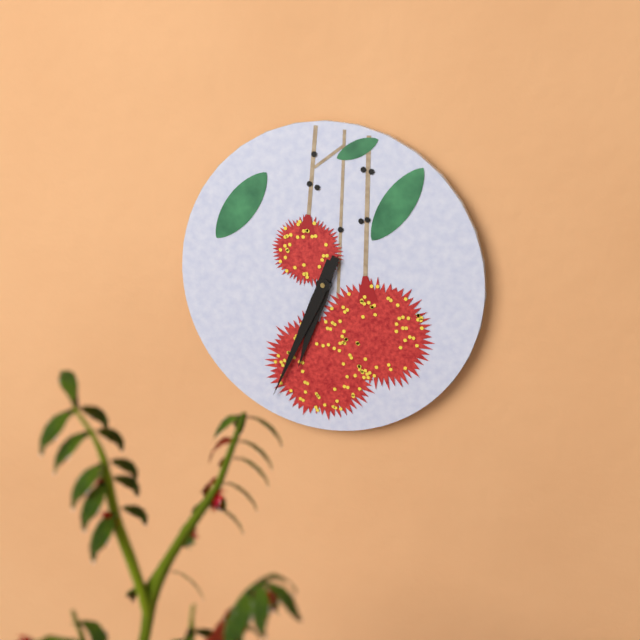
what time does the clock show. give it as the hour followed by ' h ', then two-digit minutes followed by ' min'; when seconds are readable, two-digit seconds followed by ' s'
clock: 6 h 34 min
